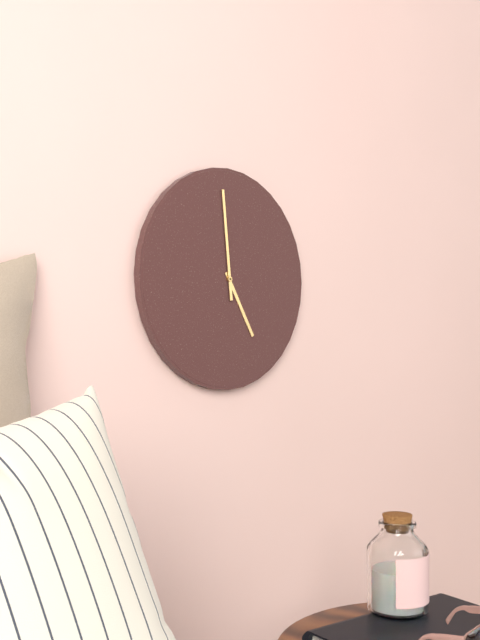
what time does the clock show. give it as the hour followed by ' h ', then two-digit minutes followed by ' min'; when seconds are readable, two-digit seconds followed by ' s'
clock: 4 h 59 min
